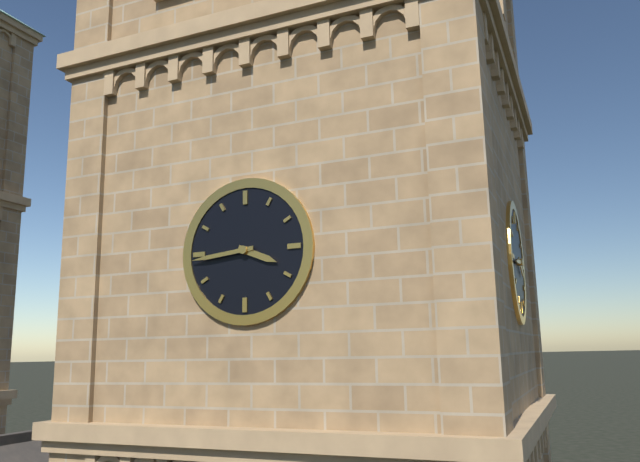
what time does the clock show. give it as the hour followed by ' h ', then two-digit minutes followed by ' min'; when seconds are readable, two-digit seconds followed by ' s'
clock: 3 h 44 min
